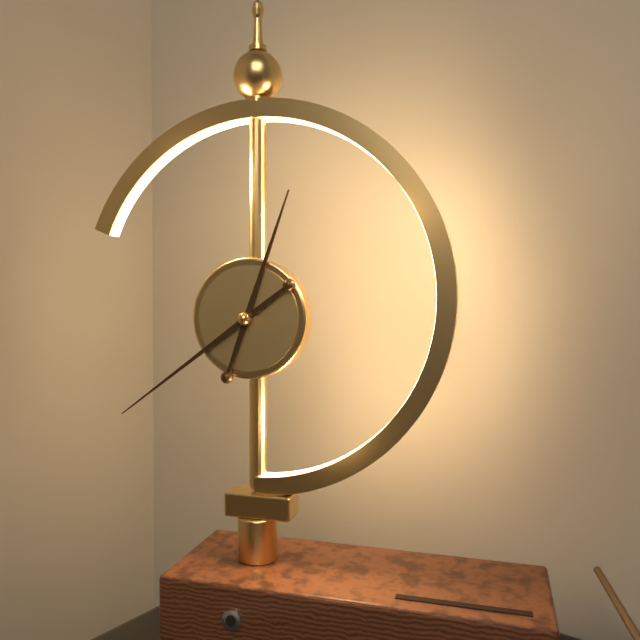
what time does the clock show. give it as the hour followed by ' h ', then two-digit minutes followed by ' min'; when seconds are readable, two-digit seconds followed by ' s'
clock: 12 h 39 min
